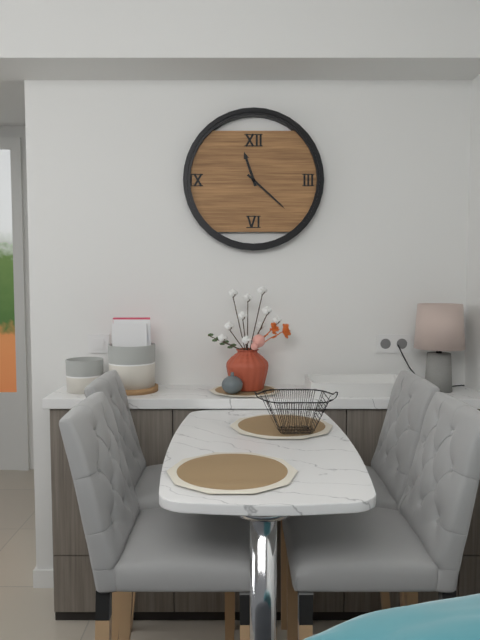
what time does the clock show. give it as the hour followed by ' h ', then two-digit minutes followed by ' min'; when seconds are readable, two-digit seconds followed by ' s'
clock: 11 h 22 min
